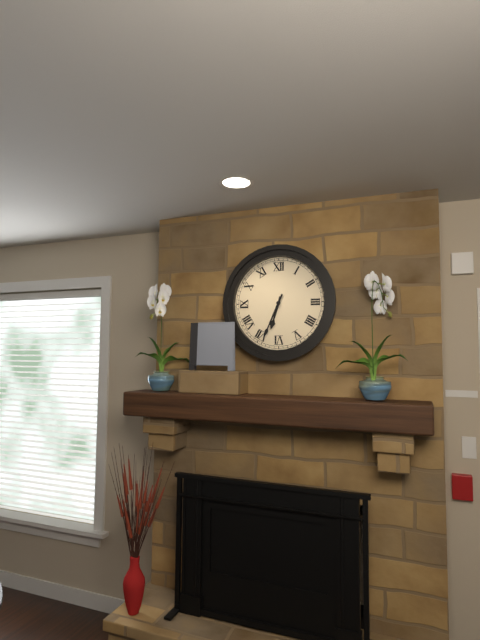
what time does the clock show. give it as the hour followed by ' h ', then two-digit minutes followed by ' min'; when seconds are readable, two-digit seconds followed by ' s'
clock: 6 h 34 min
